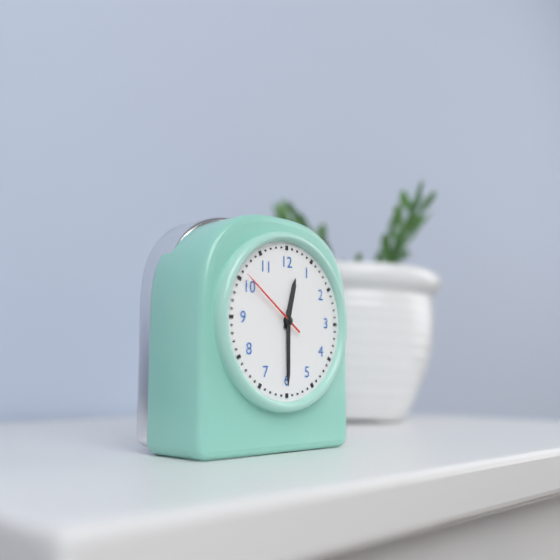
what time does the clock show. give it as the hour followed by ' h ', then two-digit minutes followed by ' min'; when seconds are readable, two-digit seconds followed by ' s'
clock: 12 h 30 min 51 s
